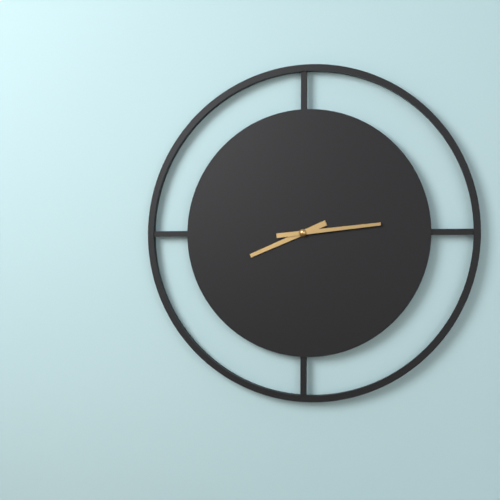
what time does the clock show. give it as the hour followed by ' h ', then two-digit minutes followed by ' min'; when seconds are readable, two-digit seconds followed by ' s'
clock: 8 h 14 min
